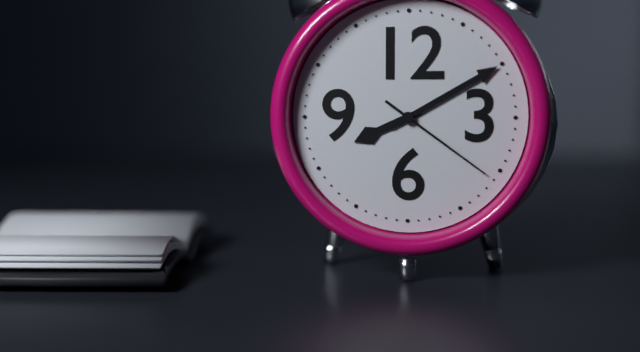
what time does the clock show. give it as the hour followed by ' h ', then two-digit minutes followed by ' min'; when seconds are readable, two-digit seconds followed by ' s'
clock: 8 h 10 min 21 s
